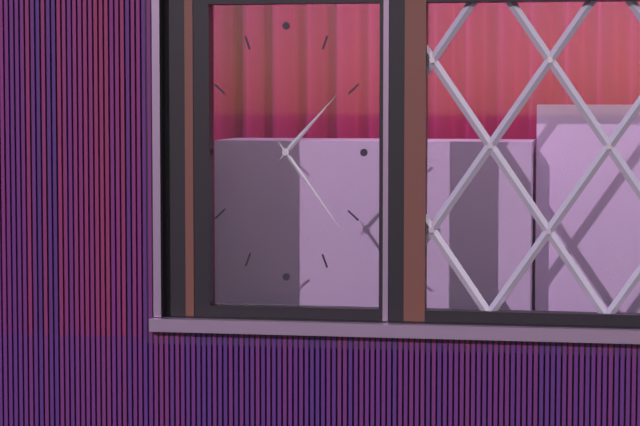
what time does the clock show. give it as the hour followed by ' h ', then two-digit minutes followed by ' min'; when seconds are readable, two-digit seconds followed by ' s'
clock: 1 h 24 min
